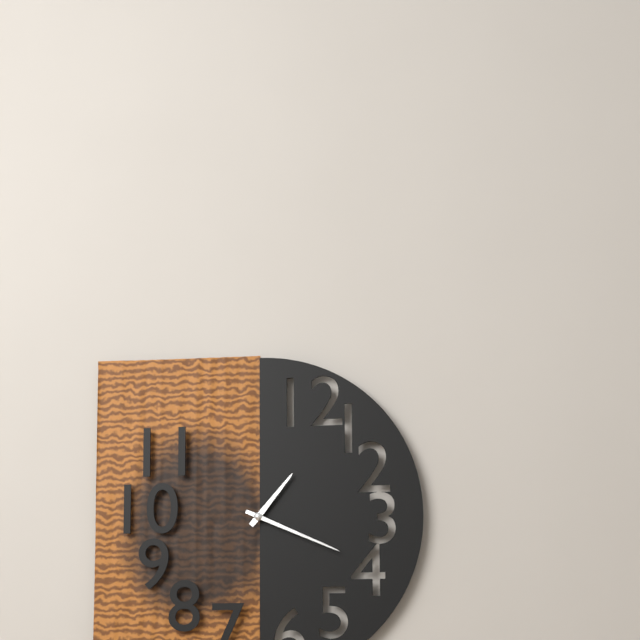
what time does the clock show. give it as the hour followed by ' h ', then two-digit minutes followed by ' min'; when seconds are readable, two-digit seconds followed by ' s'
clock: 1 h 19 min
